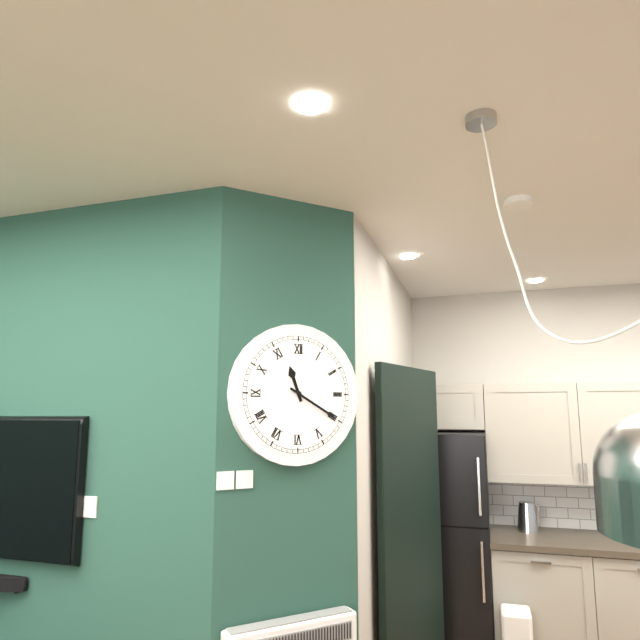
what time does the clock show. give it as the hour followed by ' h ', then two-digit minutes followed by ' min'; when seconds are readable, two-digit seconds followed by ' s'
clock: 11 h 20 min
